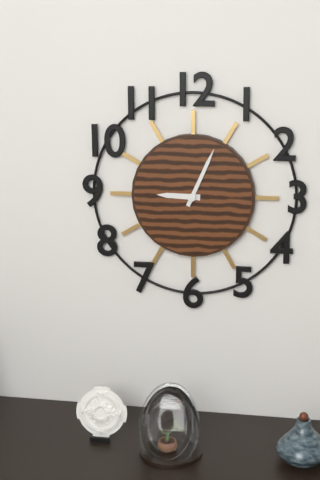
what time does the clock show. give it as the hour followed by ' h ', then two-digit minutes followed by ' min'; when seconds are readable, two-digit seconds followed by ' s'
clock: 9 h 04 min
